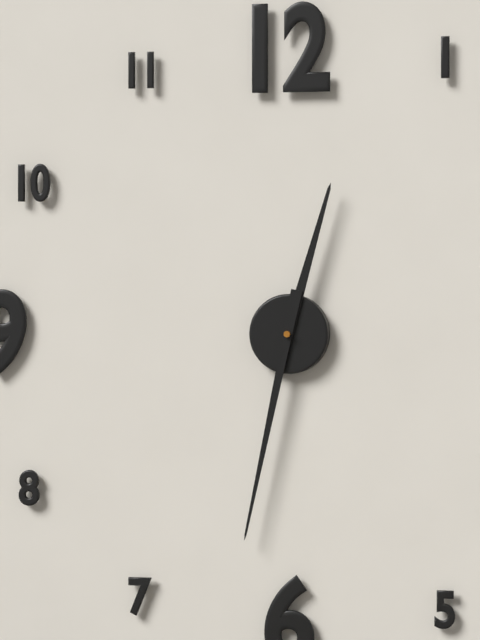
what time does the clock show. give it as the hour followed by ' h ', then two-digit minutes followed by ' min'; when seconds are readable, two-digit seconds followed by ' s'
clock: 12 h 32 min
